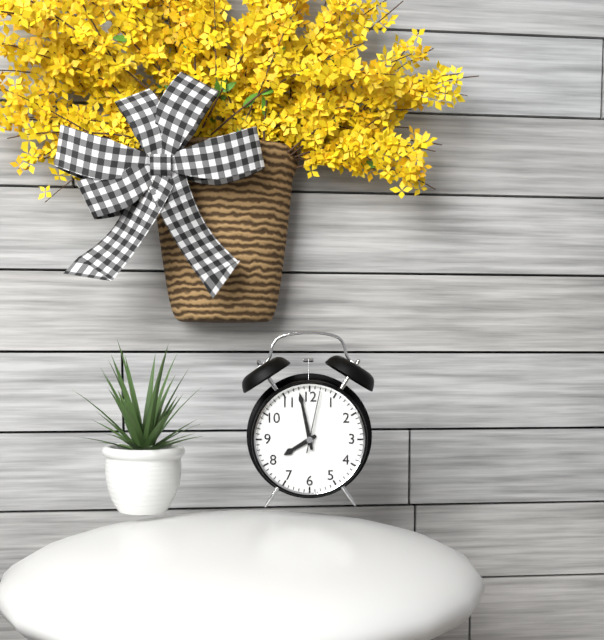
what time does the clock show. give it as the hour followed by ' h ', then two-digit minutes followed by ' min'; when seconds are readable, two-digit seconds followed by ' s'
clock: 7 h 58 min 02 s
